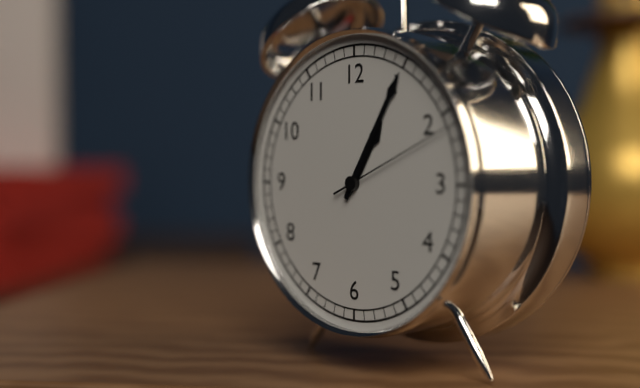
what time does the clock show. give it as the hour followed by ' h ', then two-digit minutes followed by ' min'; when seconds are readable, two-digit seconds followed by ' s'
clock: 1 h 05 min 11 s
